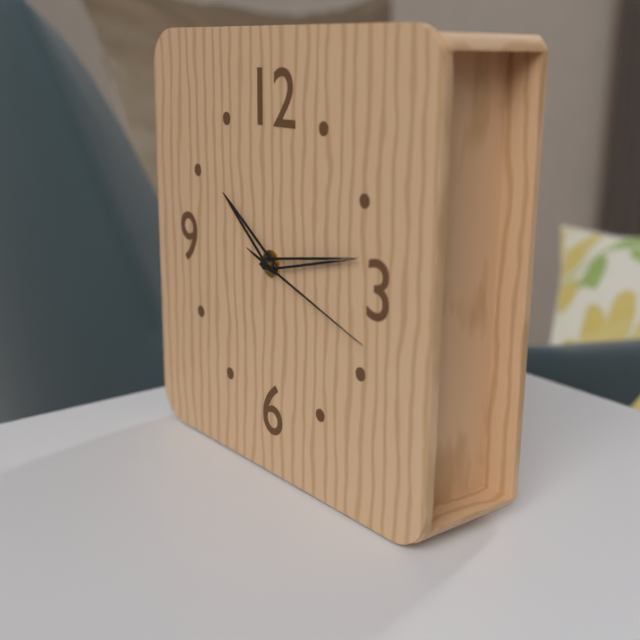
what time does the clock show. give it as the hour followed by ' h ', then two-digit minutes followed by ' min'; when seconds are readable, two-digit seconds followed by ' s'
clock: 10 h 13 min 18 s
